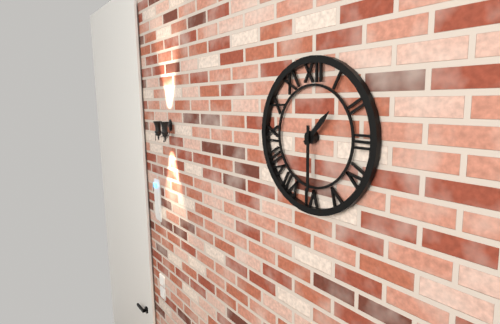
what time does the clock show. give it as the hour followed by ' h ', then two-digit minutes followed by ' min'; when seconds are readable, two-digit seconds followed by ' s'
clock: 1 h 30 min
